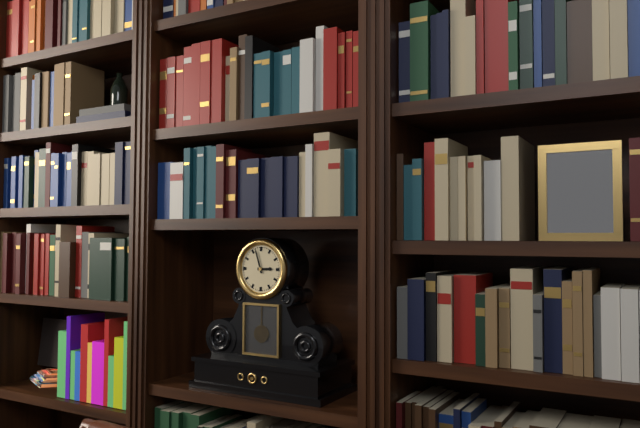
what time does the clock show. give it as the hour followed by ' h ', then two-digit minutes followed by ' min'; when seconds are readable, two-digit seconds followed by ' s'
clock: 2 h 57 min
